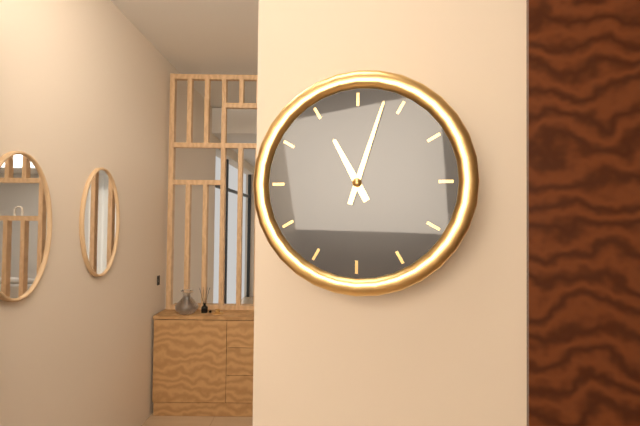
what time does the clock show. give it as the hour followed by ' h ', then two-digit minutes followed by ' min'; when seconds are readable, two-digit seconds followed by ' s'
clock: 11 h 03 min
